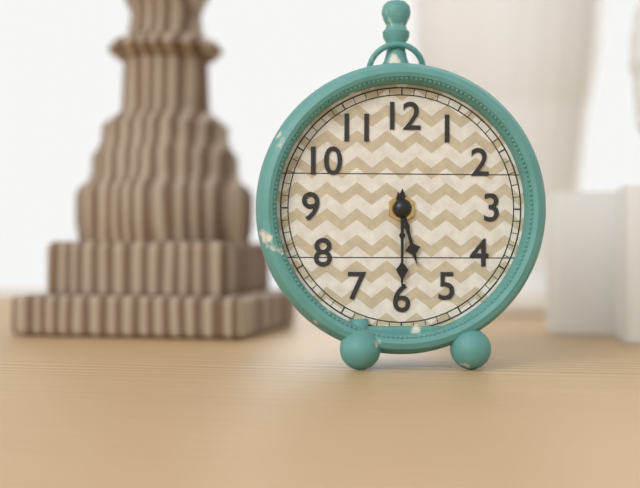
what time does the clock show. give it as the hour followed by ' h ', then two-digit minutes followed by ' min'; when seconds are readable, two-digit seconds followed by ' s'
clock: 5 h 30 min
